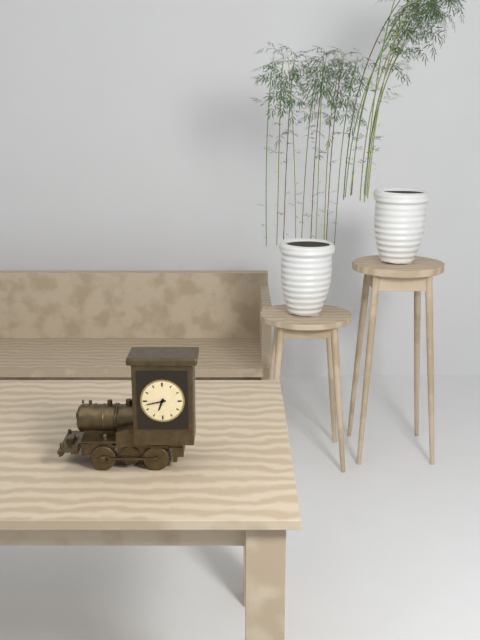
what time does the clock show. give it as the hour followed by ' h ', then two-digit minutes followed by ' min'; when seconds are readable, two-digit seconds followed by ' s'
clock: 6 h 43 min
